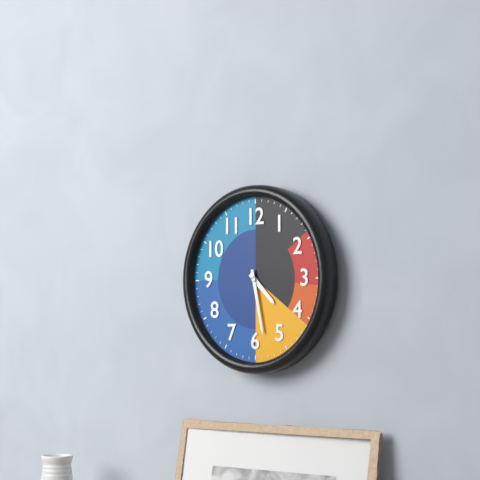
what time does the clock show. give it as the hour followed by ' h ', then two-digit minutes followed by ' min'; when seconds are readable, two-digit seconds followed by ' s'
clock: 4 h 28 min
